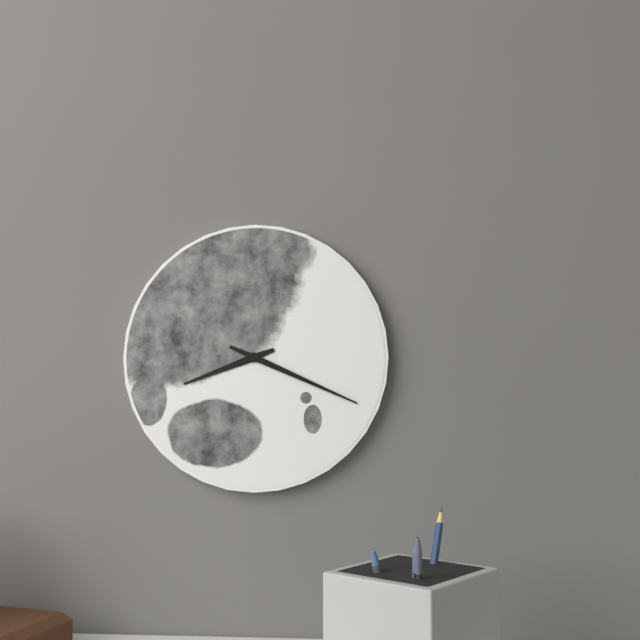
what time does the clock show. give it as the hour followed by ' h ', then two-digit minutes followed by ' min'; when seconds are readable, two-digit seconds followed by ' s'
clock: 8 h 19 min
